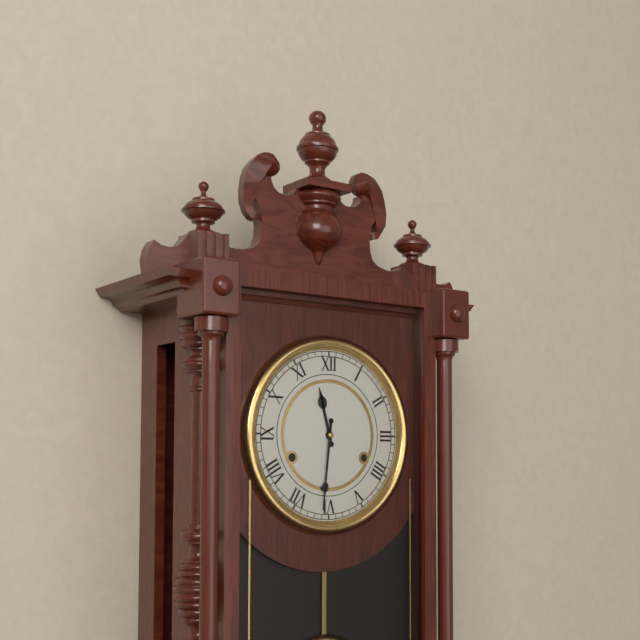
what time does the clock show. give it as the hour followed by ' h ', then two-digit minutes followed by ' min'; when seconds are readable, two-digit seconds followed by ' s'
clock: 11 h 31 min
